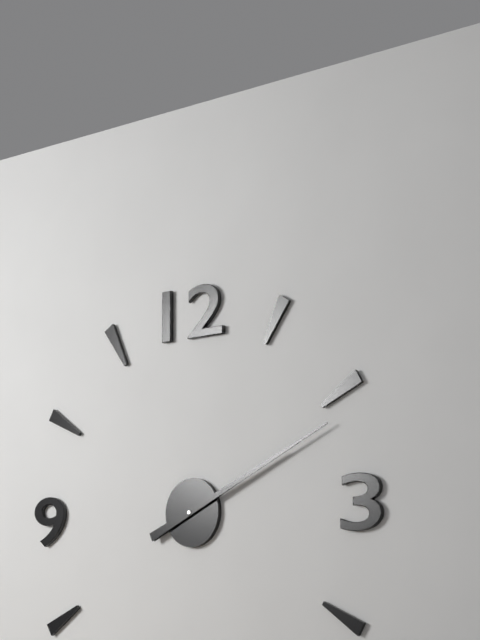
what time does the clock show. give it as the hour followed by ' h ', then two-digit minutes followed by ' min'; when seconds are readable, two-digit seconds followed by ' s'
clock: 2 h 11 min
